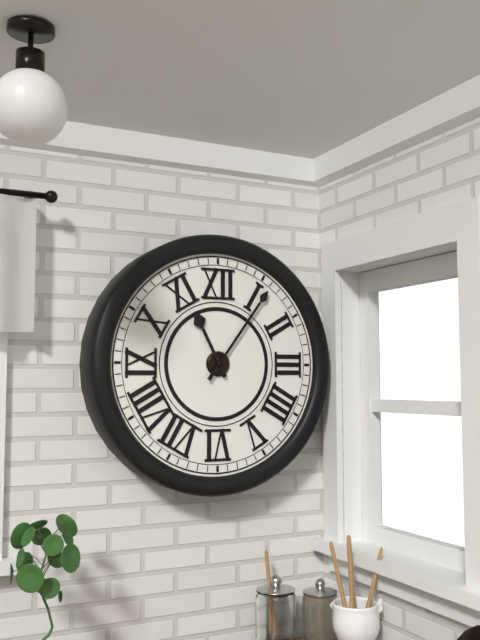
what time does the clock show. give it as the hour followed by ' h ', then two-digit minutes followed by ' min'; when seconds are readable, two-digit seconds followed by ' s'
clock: 11 h 06 min
